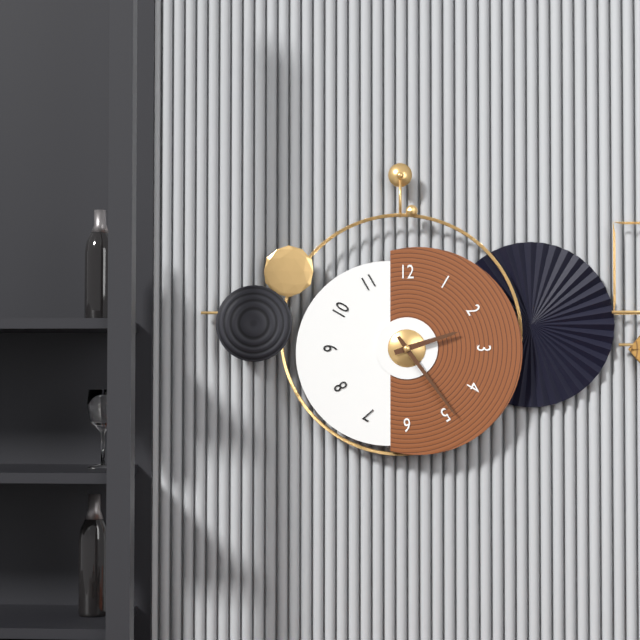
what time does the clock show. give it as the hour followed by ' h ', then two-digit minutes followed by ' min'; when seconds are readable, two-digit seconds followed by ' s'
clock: 2 h 24 min
